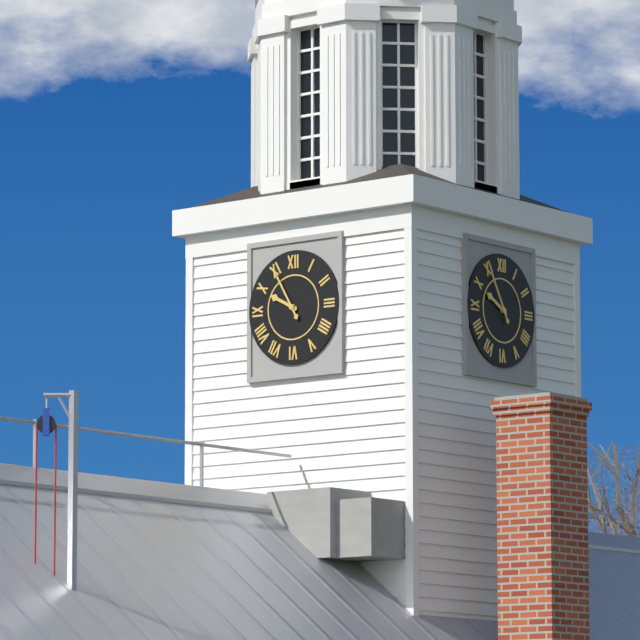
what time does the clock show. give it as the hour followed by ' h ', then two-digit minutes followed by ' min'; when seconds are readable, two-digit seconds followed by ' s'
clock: 9 h 55 min
